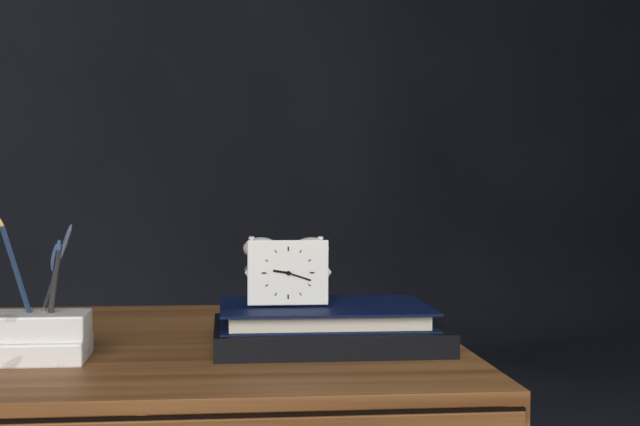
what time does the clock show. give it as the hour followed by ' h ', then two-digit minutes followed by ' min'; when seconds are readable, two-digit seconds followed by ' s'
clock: 9 h 18 min
